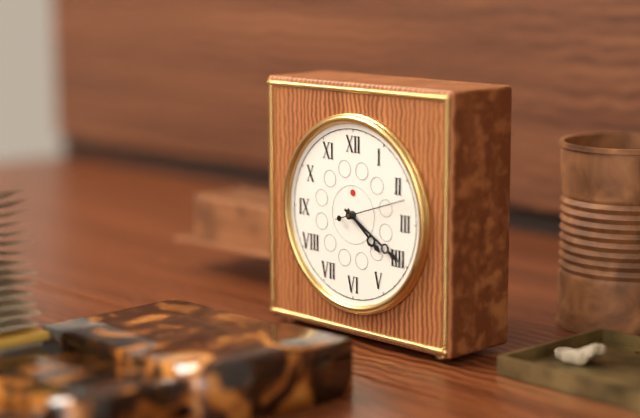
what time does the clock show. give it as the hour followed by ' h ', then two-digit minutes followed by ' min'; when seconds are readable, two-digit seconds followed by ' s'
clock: 4 h 20 min 12 s
